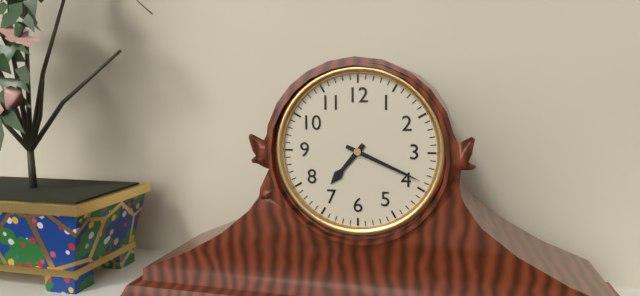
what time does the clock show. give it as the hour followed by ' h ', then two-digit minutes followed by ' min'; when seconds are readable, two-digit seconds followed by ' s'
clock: 7 h 19 min
